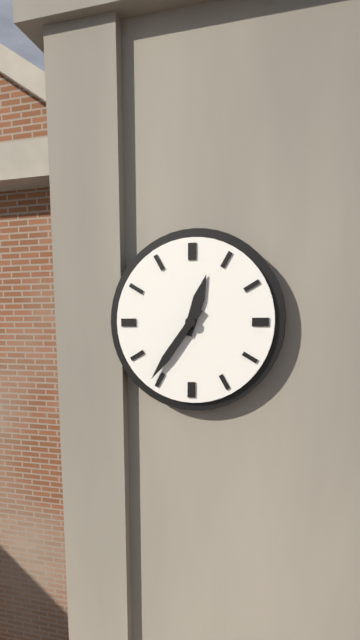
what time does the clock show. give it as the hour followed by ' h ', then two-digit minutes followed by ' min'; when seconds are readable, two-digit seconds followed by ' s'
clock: 12 h 36 min
